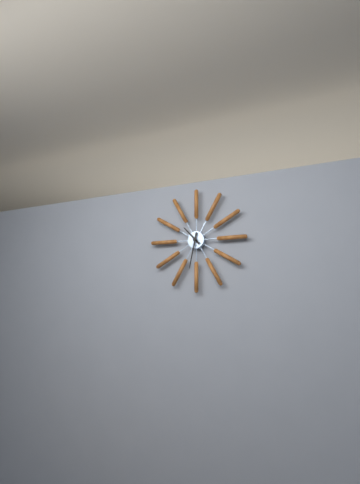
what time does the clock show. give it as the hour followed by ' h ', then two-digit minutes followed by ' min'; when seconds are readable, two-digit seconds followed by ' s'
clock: 10 h 32 min
